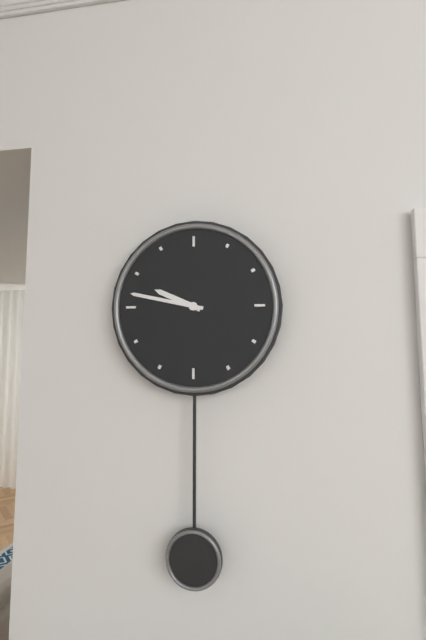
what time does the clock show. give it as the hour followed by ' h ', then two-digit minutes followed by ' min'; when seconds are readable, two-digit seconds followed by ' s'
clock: 9 h 47 min
